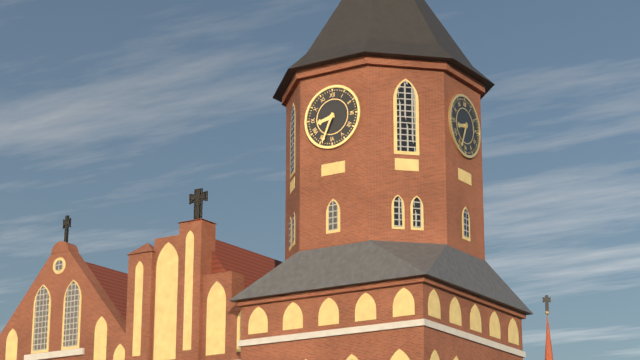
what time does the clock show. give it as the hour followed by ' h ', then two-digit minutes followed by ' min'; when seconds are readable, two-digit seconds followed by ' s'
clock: 8 h 34 min
